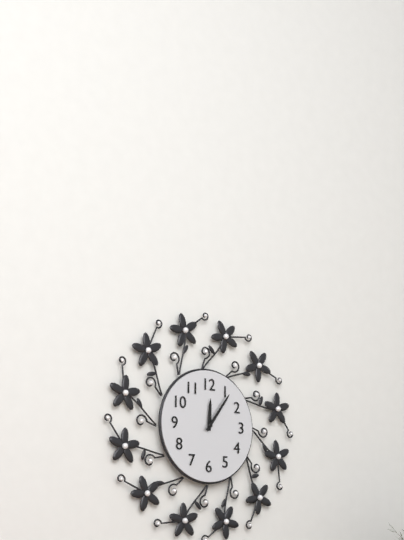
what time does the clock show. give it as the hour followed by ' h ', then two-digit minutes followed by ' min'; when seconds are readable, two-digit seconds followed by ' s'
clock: 12 h 06 min
